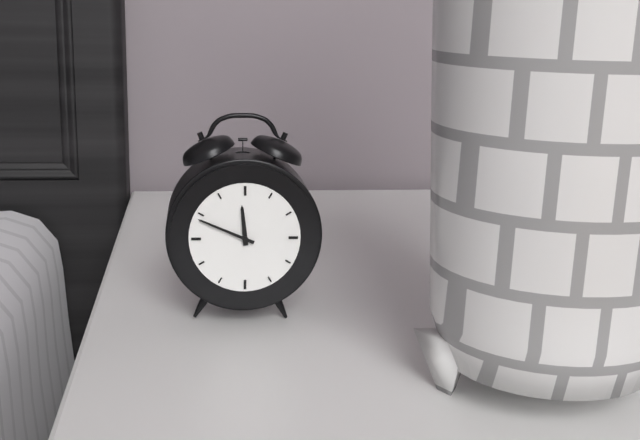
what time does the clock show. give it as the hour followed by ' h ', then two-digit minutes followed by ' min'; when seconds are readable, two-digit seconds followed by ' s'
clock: 11 h 49 min
